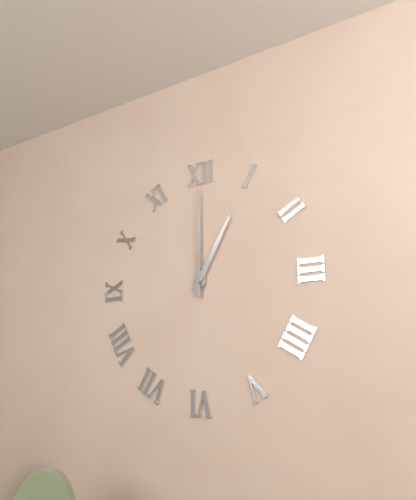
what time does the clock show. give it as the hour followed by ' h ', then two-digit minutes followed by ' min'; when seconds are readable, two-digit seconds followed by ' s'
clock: 1 h 00 min
